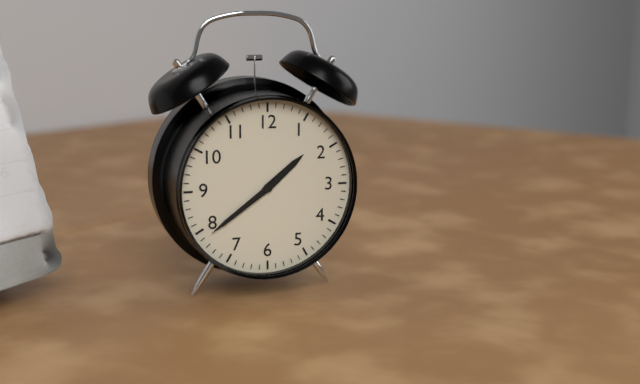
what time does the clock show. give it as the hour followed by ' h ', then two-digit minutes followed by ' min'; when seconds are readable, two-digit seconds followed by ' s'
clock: 1 h 39 min
